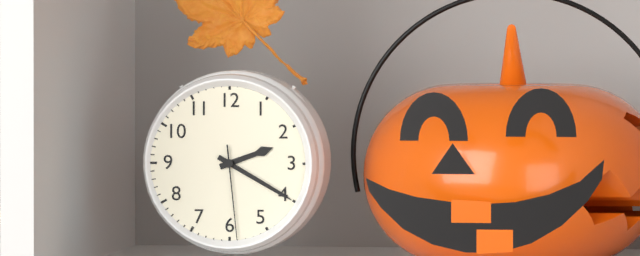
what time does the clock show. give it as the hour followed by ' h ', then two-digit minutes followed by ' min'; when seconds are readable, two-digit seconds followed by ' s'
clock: 2 h 20 min 29 s
